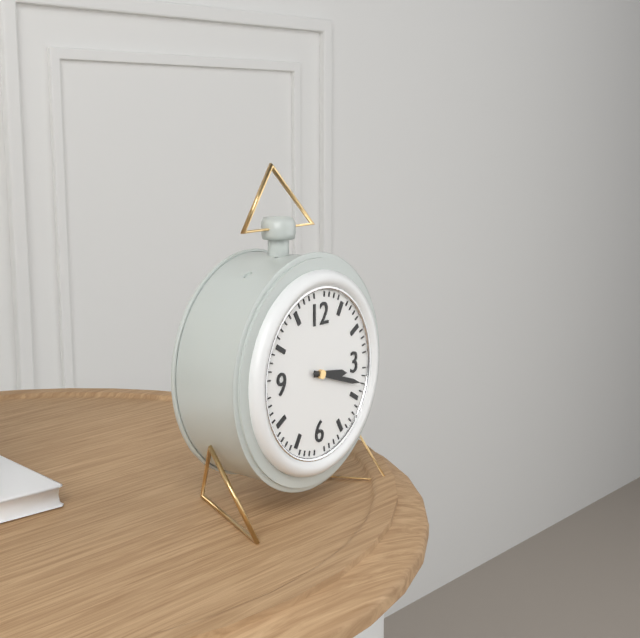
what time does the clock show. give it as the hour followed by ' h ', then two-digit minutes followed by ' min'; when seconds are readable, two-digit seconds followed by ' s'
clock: 3 h 18 min
